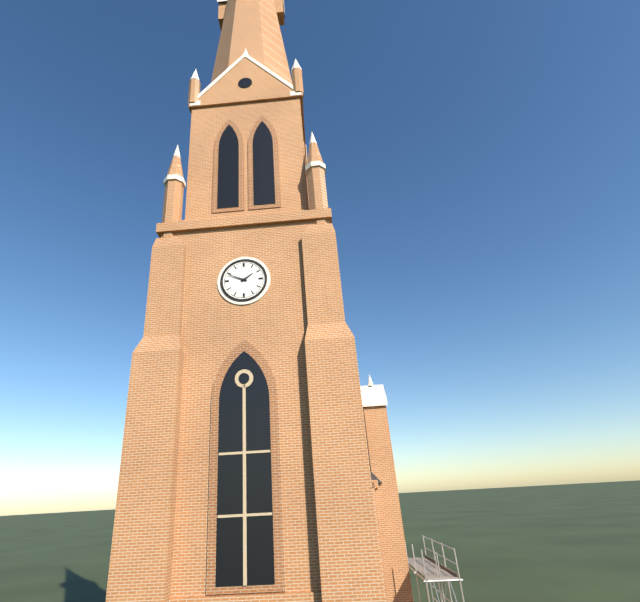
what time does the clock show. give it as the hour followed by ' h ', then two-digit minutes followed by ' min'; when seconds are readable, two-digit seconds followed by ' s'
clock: 1 h 49 min
